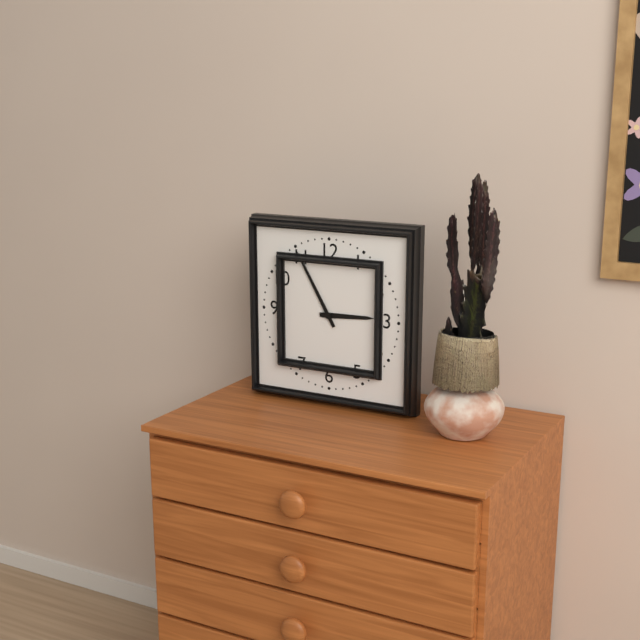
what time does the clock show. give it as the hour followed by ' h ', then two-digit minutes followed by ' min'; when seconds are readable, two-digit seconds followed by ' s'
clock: 2 h 55 min
